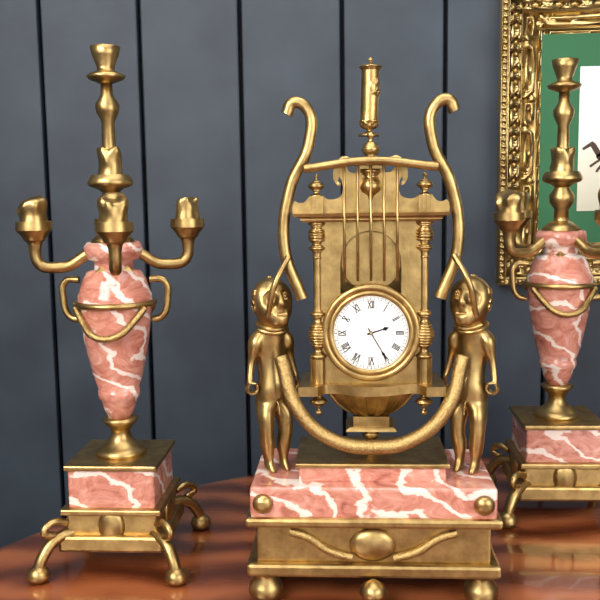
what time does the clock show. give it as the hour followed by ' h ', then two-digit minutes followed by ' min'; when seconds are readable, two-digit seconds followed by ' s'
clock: 2 h 25 min
